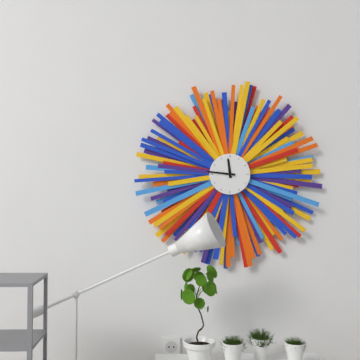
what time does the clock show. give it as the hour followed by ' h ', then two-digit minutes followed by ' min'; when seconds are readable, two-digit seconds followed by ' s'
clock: 11 h 46 min
